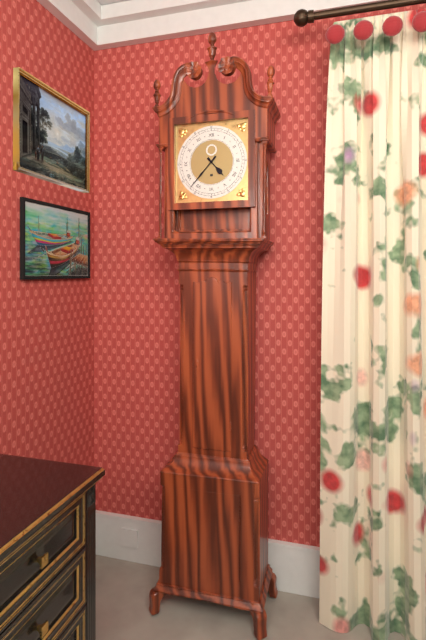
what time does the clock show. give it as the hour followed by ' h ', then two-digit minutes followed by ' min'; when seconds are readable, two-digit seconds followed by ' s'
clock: 4 h 37 min
